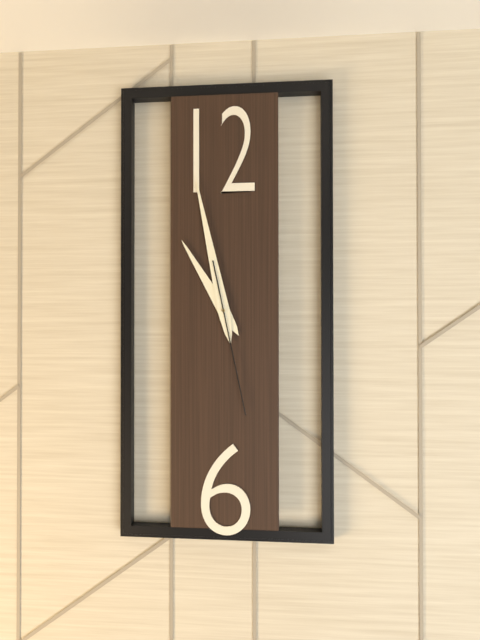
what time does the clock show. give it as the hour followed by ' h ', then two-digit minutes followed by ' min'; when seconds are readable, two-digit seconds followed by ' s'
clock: 10 h 58 min 28 s
